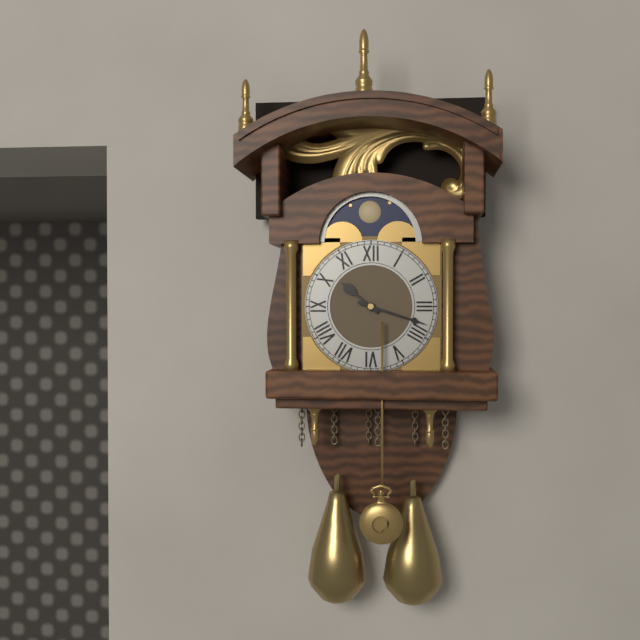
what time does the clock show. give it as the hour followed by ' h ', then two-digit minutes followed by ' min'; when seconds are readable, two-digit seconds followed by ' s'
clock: 10 h 18 min
